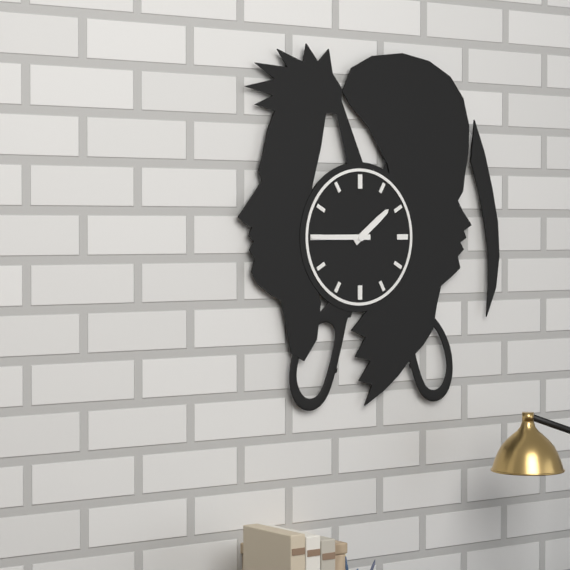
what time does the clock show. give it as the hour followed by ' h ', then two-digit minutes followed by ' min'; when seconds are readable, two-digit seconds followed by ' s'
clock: 1 h 45 min
